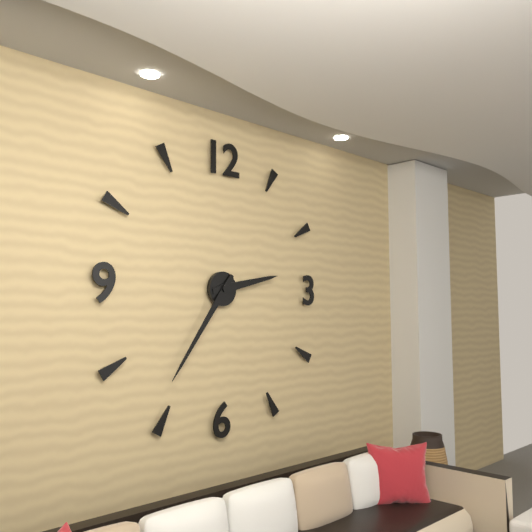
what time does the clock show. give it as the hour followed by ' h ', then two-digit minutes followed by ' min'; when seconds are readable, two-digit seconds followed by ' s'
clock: 2 h 36 min
